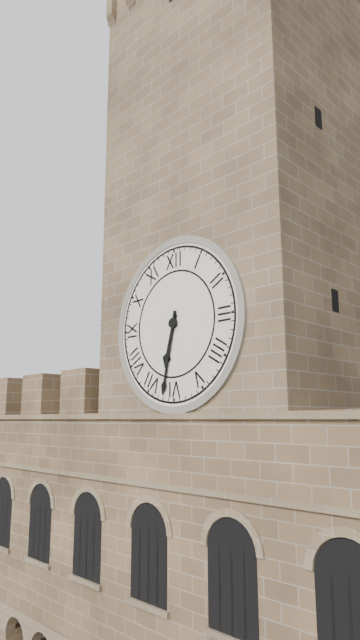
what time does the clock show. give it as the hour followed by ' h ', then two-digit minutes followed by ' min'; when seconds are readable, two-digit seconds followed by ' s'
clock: 6 h 32 min
